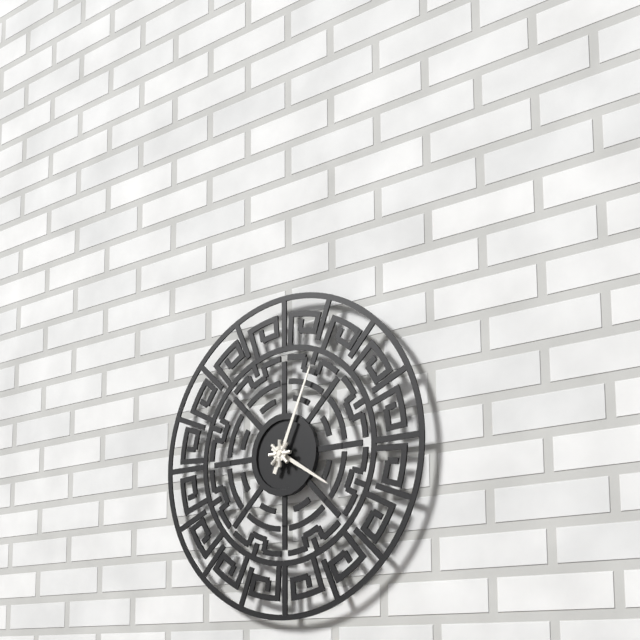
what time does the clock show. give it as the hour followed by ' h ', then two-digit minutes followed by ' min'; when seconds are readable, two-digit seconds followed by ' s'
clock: 4 h 04 min
